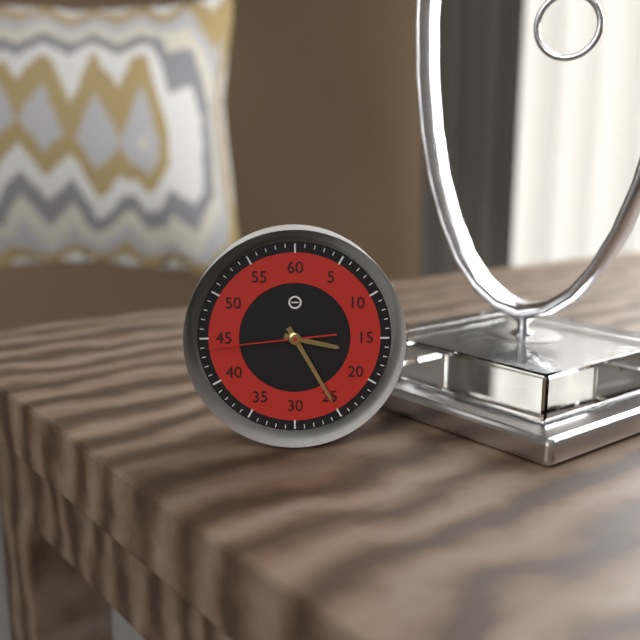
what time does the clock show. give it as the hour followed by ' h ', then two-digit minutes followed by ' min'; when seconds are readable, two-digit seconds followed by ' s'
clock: 3 h 25 min 44 s
